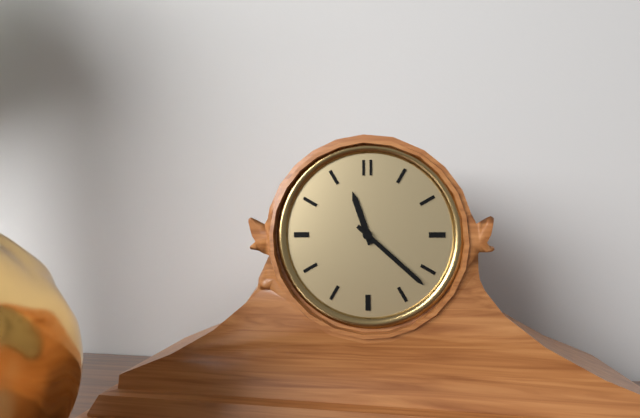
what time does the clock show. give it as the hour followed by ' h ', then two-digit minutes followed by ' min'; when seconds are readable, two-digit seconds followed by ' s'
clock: 11 h 22 min
